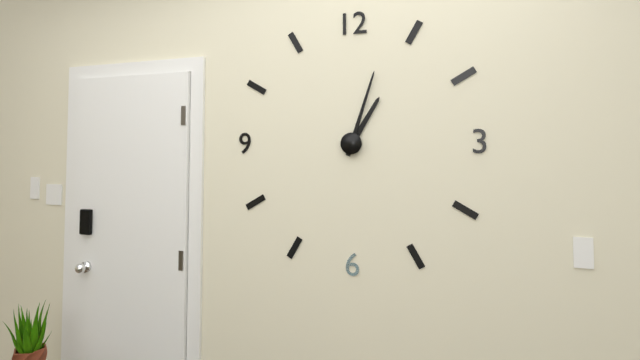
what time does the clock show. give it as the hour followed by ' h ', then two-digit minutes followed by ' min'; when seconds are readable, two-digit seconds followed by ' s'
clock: 1 h 03 min
